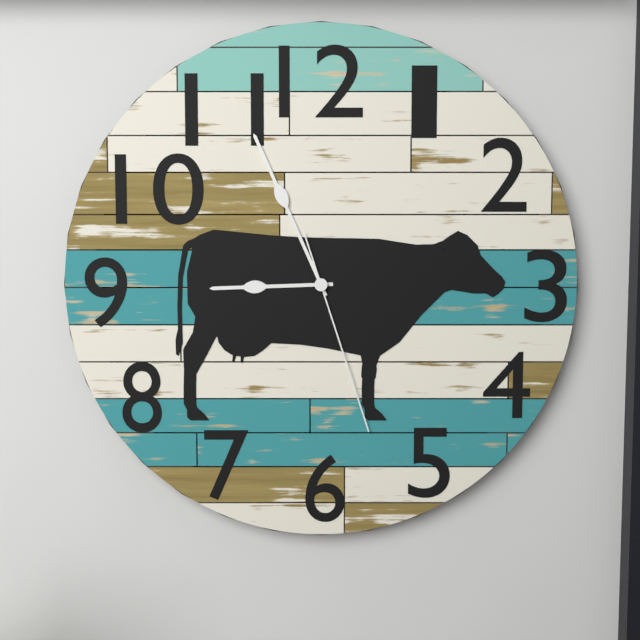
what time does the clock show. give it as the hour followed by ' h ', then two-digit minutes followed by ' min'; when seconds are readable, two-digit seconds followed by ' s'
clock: 8 h 56 min 27 s
